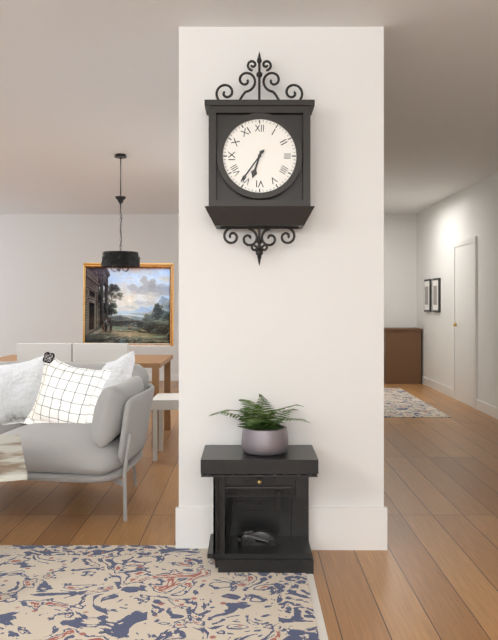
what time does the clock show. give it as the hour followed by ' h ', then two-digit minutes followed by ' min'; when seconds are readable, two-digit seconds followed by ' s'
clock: 6 h 36 min
